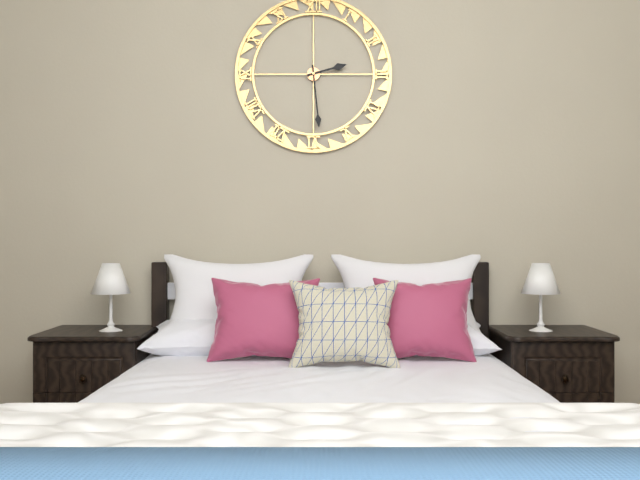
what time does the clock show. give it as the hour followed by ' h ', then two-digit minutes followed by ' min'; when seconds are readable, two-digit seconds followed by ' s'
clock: 2 h 29 min
